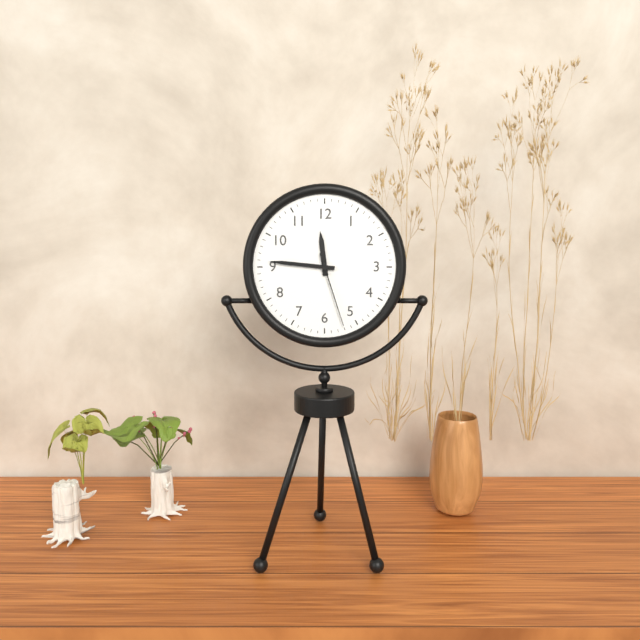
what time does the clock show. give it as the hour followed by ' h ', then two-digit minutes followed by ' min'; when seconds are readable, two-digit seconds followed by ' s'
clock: 11 h 46 min 27 s
